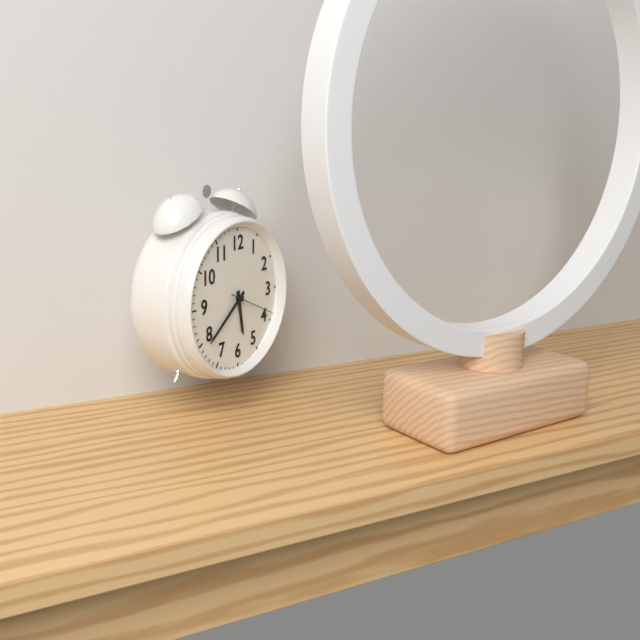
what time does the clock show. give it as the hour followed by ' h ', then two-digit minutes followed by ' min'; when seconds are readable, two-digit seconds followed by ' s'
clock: 5 h 39 min 19 s
